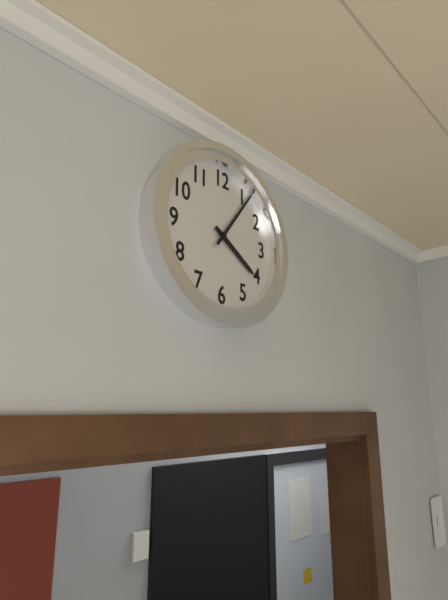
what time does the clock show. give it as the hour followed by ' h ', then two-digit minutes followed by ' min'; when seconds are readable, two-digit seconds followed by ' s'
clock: 4 h 06 min
